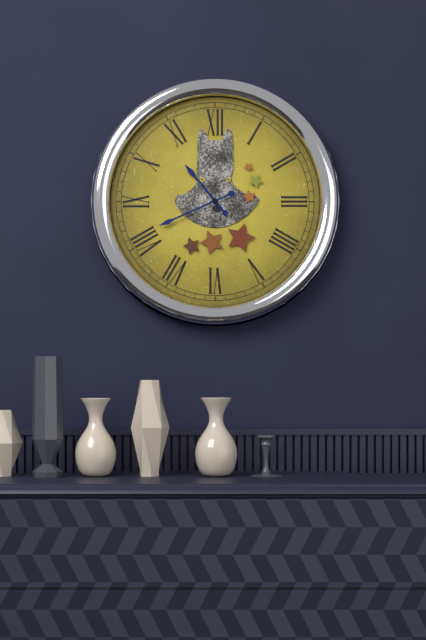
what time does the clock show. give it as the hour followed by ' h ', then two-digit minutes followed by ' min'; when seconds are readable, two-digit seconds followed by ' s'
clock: 10 h 41 min
